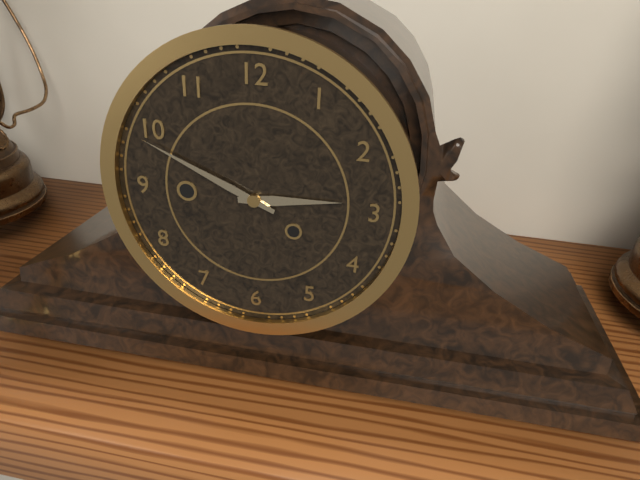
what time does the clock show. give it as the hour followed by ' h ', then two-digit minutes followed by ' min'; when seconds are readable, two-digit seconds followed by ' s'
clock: 2 h 49 min
